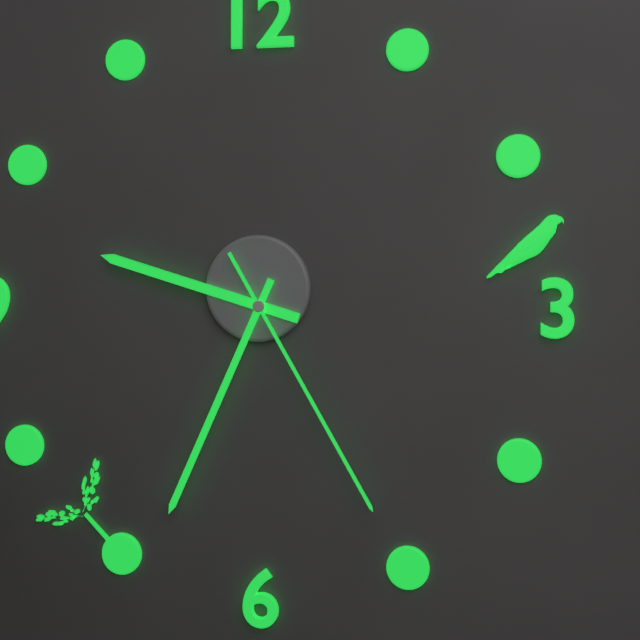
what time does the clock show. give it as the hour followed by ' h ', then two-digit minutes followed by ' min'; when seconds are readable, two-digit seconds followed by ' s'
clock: 9 h 34 min 25 s
